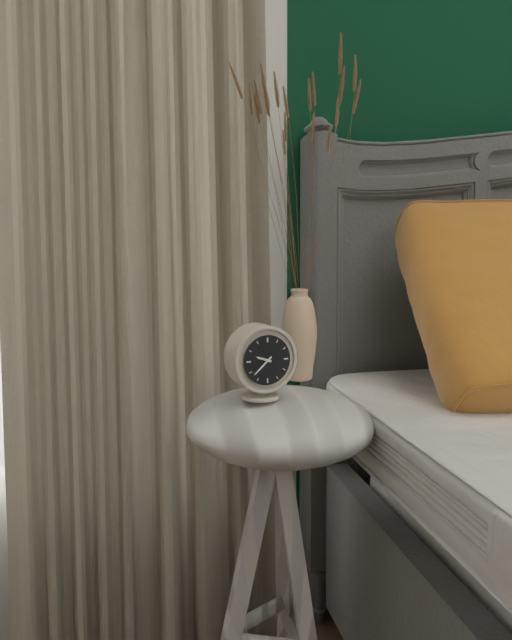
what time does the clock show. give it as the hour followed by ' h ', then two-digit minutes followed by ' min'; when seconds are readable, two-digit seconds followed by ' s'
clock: 9 h 38 min
